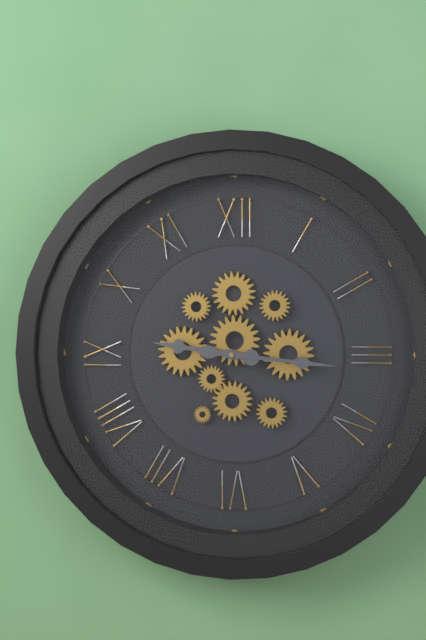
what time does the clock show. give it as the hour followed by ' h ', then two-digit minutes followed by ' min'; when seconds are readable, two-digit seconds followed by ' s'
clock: 9 h 16 min
